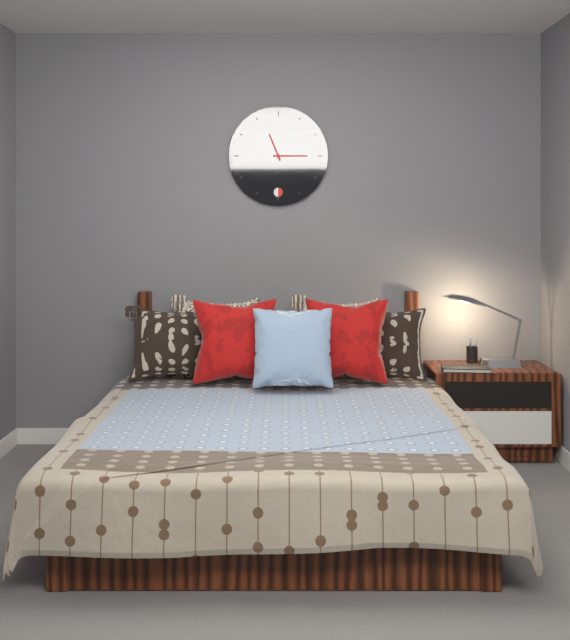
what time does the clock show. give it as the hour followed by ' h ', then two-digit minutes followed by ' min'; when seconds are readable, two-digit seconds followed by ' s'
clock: 11 h 15 min
